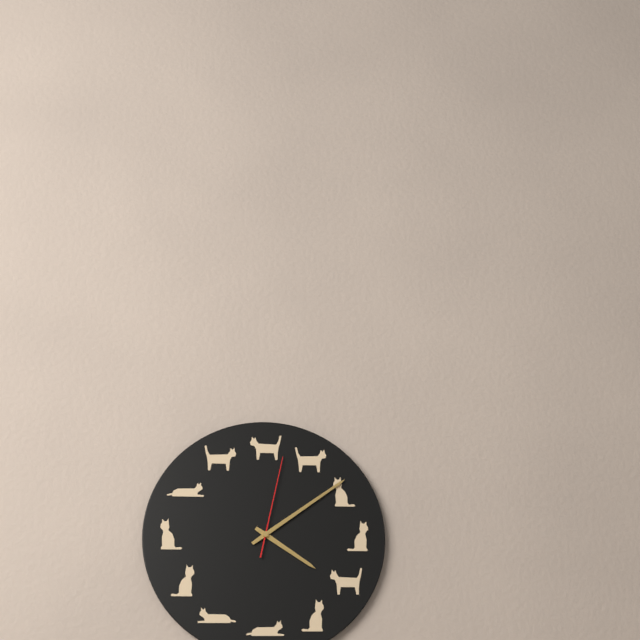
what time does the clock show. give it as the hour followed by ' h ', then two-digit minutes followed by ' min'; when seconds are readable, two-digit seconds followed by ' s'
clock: 4 h 09 min 02 s
